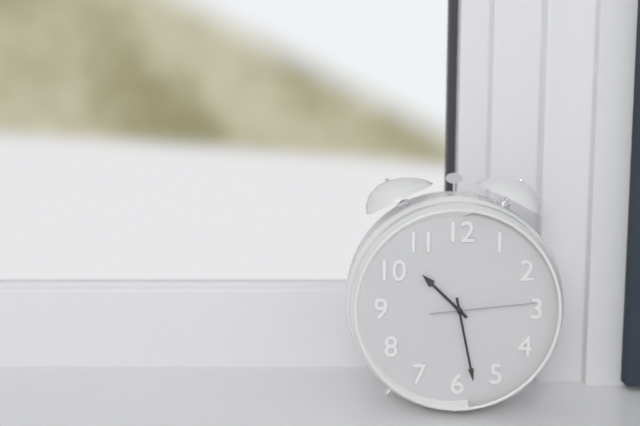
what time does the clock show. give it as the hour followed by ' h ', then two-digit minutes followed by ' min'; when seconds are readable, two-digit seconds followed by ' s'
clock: 10 h 28 min 14 s
